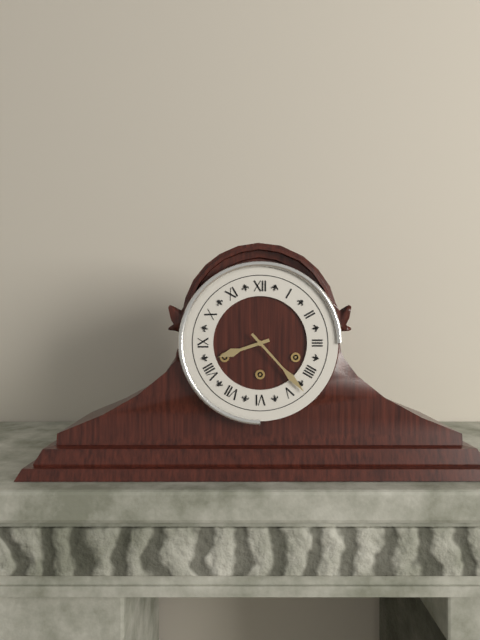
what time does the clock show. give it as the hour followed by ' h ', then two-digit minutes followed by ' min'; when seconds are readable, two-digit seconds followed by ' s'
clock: 8 h 23 min
